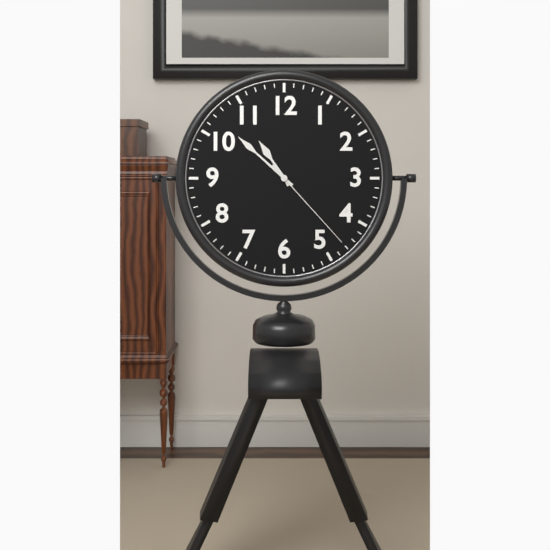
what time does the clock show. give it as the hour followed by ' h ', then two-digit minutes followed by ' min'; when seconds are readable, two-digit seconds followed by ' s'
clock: 10 h 52 min 23 s
